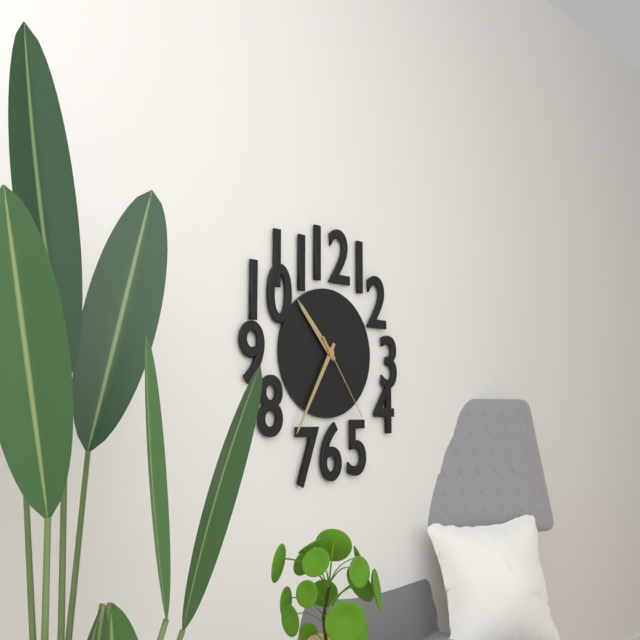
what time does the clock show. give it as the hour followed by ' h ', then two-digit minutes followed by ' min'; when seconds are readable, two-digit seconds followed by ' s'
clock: 10 h 35 min 24 s
